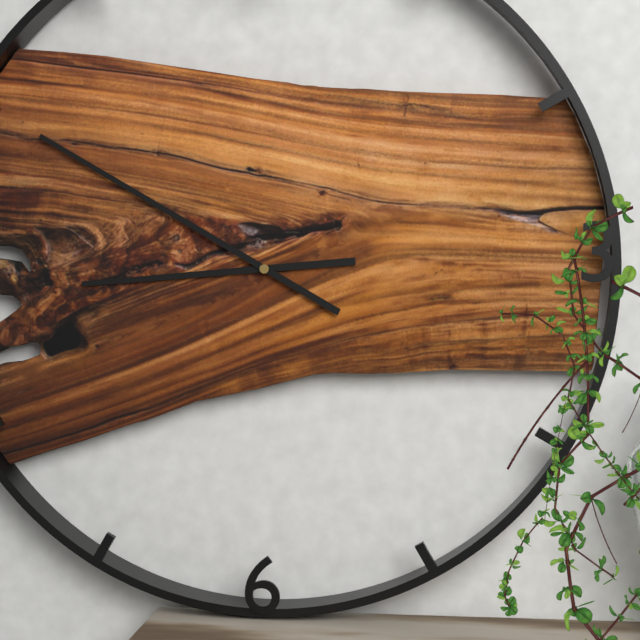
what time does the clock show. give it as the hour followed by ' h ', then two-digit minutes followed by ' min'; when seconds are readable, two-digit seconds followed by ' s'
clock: 8 h 50 min
